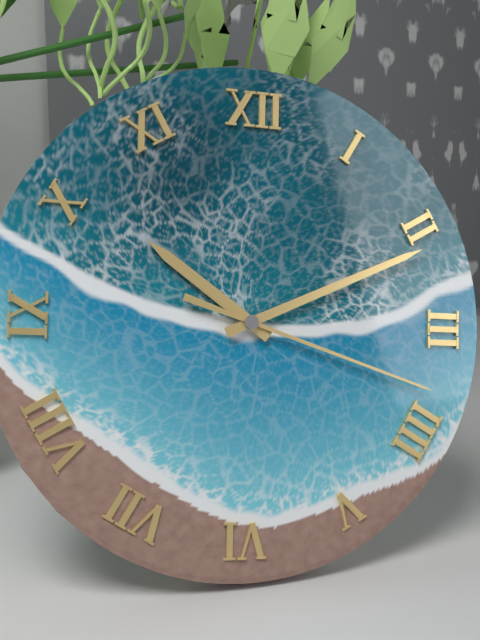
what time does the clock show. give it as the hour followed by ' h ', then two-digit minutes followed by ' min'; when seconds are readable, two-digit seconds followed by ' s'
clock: 10 h 11 min 18 s
